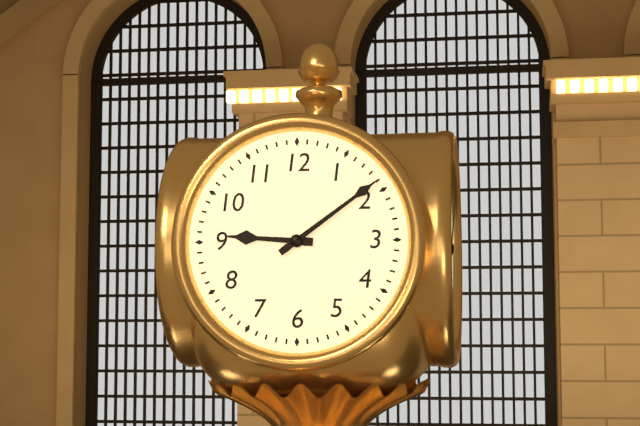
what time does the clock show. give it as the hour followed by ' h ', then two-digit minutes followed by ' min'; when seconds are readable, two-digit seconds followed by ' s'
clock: 9 h 09 min
